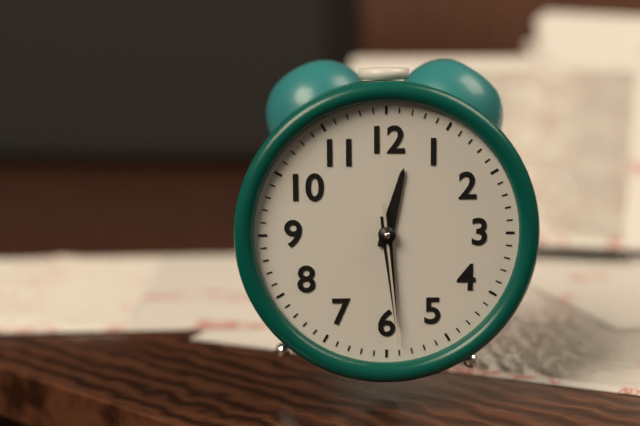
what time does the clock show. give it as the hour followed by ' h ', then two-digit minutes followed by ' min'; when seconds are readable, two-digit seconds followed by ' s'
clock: 12 h 29 min 29 s
